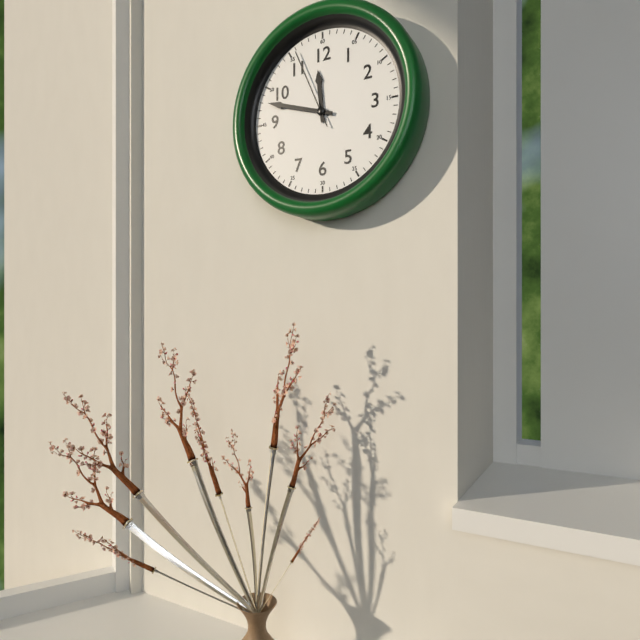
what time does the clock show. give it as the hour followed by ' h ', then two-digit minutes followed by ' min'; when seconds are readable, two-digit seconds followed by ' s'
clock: 11 h 48 min 56 s
